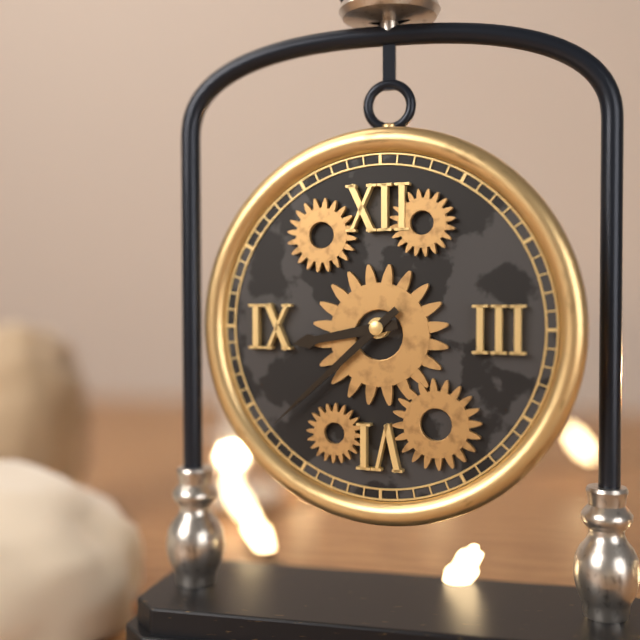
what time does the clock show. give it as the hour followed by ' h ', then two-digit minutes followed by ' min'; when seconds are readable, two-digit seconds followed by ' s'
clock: 8 h 38 min
